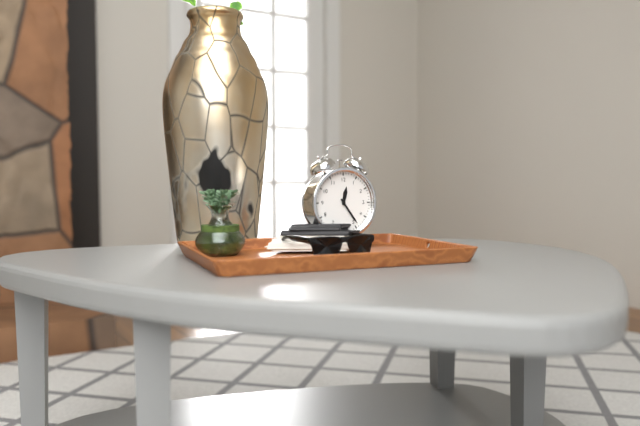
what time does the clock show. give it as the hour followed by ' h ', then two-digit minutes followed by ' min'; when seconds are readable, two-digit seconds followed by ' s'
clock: 12 h 24 min
